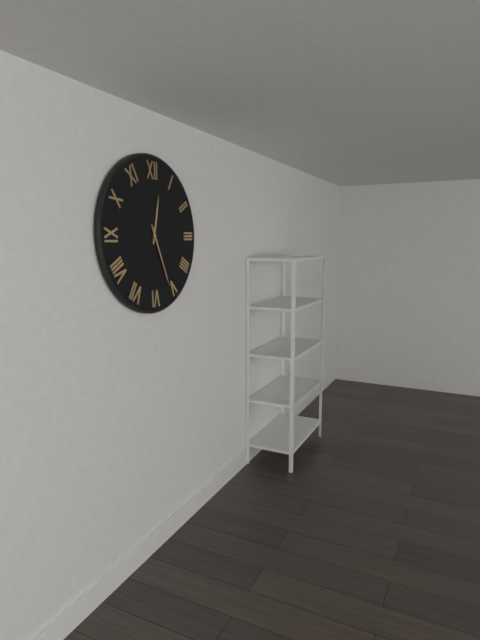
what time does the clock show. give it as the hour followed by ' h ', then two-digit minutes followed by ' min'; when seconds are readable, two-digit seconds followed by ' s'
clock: 12 h 26 min
